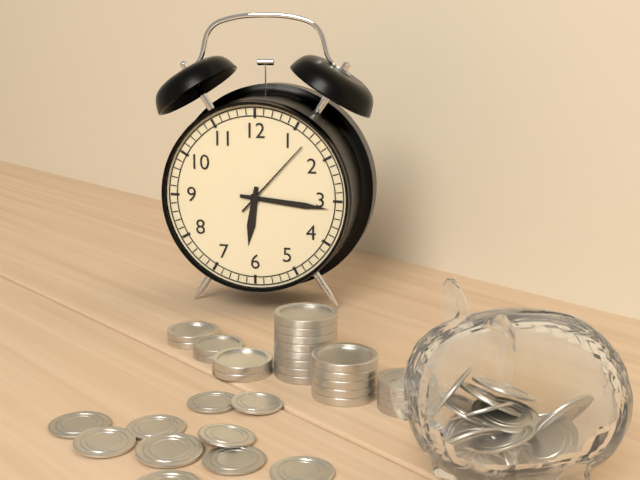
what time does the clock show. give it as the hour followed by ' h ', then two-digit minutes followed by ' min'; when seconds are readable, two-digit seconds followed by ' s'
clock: 6 h 16 min 07 s
